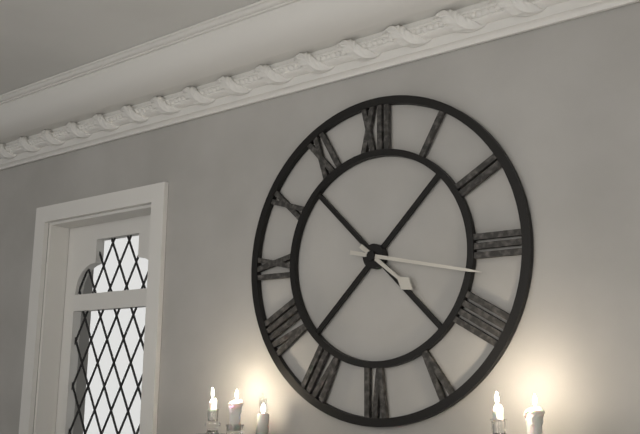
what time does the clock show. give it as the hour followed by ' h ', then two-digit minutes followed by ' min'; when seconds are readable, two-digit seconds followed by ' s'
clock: 4 h 17 min
